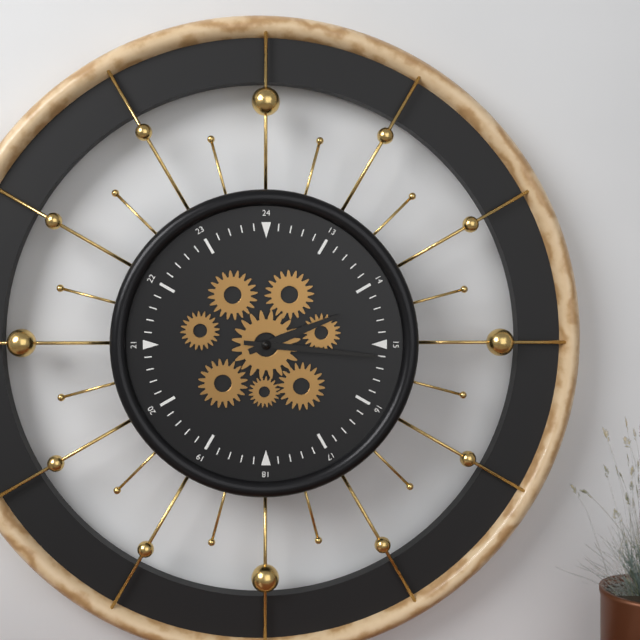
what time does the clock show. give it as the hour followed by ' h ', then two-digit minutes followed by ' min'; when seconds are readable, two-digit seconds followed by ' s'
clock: 2 h 16 min
